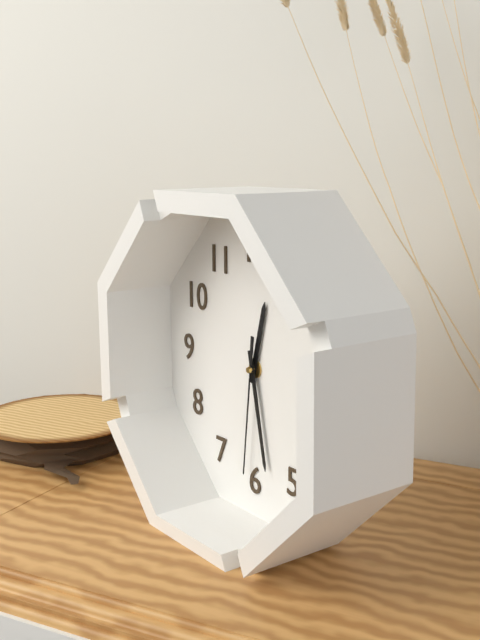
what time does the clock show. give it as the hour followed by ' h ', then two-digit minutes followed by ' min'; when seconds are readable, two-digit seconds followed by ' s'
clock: 12 h 28 min 31 s
